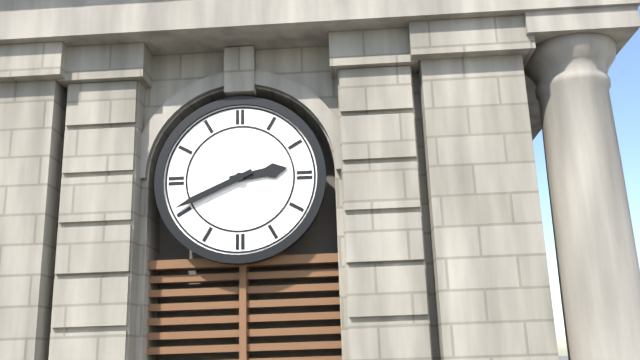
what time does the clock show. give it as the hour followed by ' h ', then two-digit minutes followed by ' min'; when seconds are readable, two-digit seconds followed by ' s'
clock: 2 h 41 min
